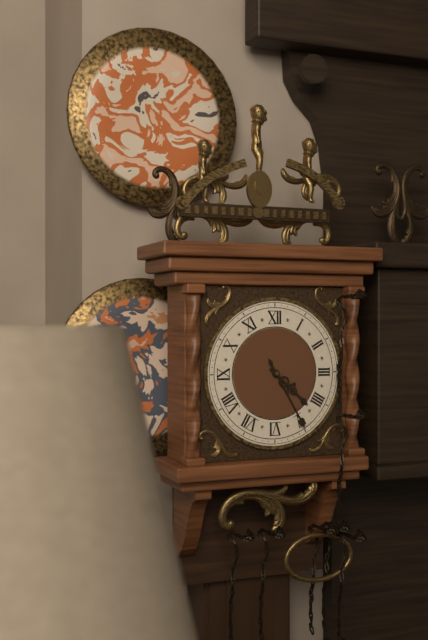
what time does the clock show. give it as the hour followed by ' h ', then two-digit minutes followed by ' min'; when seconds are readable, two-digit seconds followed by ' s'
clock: 4 h 25 min
